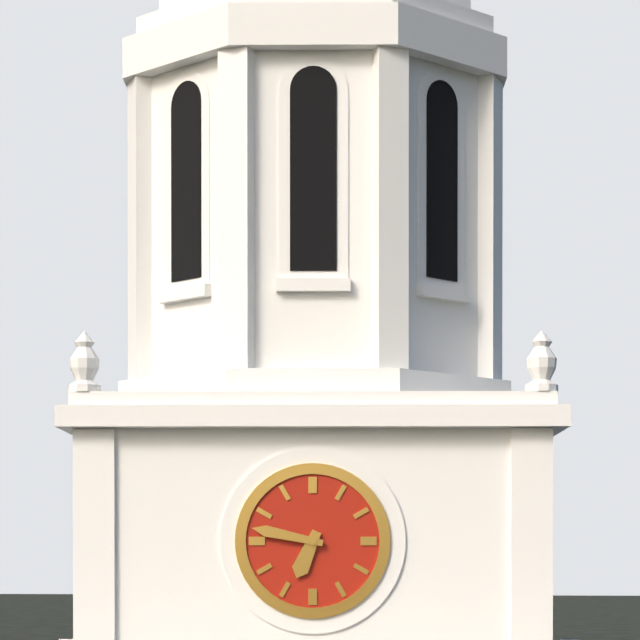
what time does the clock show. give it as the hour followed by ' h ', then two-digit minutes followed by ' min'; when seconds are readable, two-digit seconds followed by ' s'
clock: 6 h 47 min
